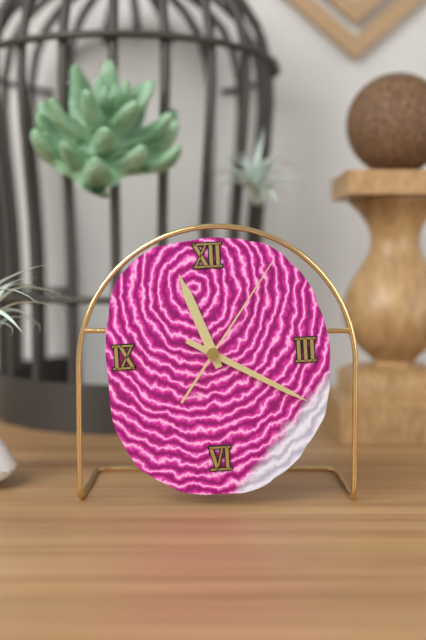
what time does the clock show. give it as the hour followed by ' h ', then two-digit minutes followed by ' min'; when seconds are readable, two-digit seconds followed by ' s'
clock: 11 h 20 min 06 s
